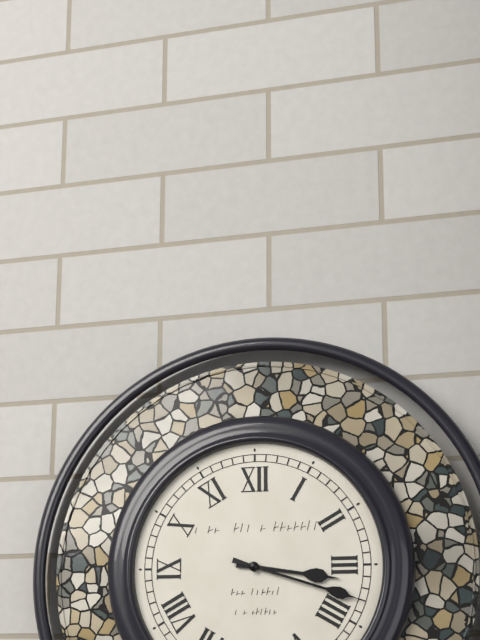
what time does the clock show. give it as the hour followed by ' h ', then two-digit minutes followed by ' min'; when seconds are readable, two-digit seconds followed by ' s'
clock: 3 h 18 min
